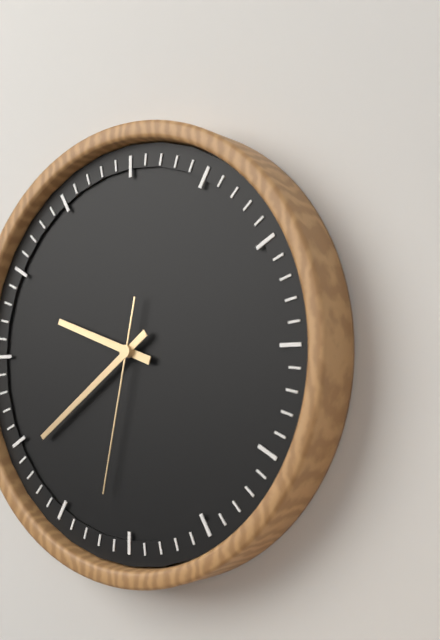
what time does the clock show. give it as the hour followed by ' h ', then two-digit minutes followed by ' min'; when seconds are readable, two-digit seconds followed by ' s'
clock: 9 h 39 min 32 s
